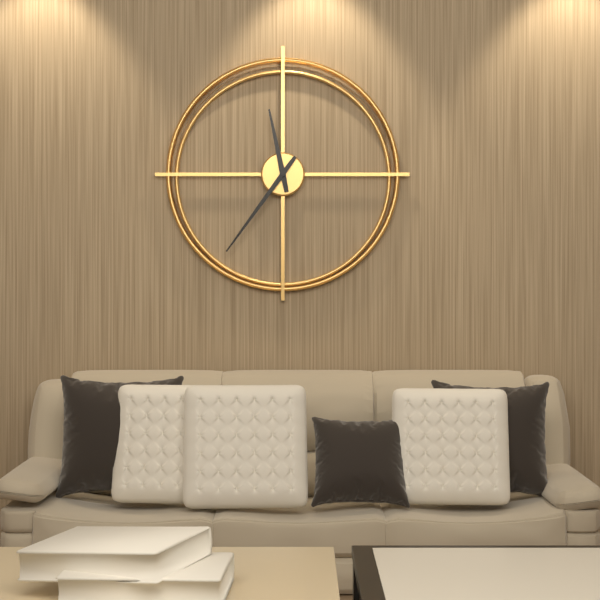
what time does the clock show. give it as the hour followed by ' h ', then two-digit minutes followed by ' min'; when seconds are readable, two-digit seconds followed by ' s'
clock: 11 h 36 min
